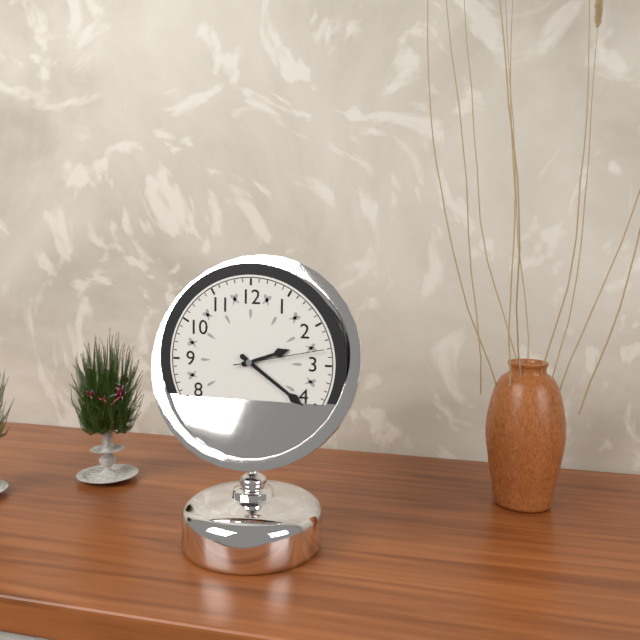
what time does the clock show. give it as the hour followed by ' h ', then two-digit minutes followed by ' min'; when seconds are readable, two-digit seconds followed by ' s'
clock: 2 h 21 min 13 s
